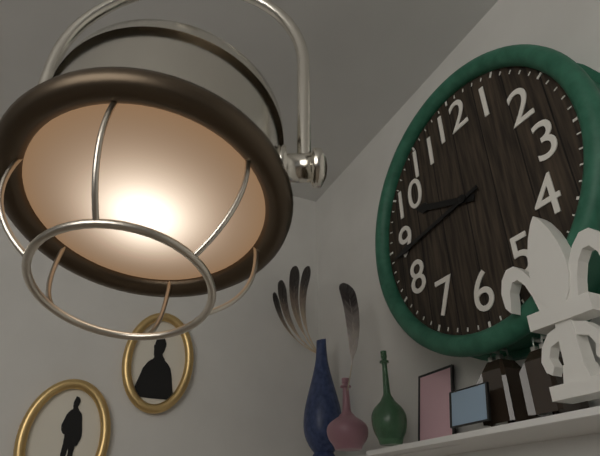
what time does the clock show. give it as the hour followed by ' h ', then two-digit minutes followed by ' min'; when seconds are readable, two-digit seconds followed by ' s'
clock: 9 h 44 min
